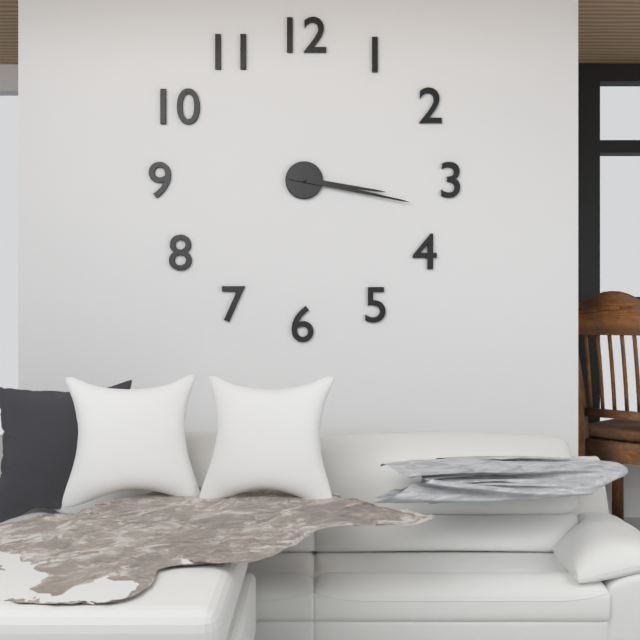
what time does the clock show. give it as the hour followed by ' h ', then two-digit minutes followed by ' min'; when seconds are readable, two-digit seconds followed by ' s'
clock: 3 h 17 min
